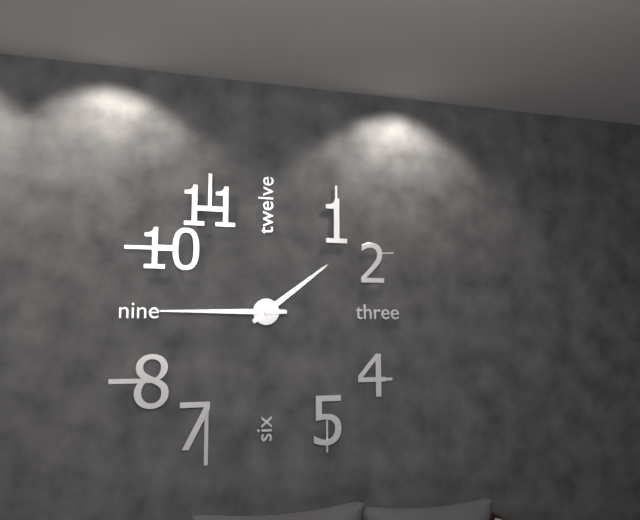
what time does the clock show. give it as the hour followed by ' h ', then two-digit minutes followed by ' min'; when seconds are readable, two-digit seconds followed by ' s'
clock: 1 h 45 min
